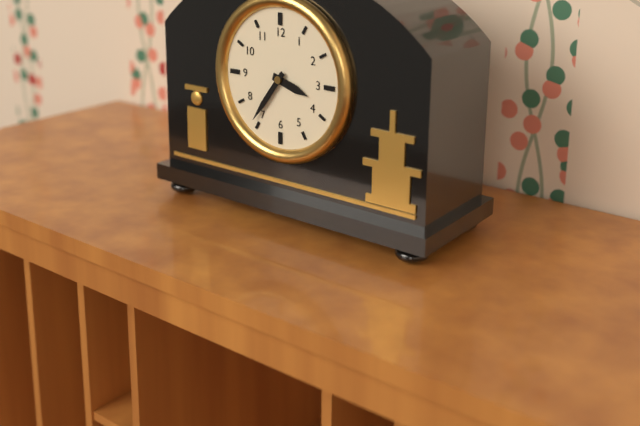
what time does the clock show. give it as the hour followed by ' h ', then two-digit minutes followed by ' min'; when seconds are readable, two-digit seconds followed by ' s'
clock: 3 h 36 min
